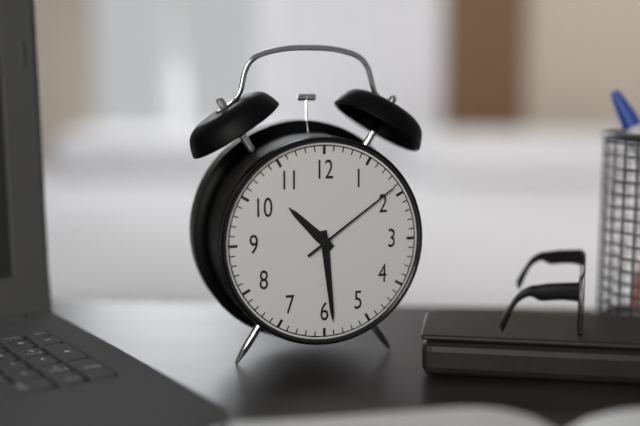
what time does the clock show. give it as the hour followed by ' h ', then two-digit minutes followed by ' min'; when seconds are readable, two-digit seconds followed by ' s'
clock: 10 h 29 min 09 s
